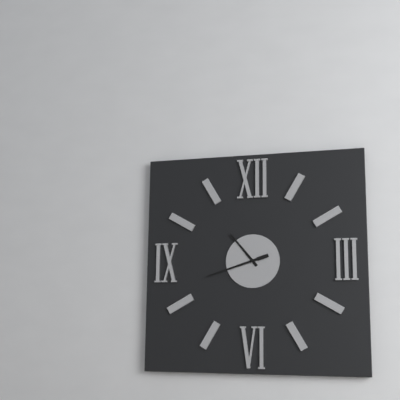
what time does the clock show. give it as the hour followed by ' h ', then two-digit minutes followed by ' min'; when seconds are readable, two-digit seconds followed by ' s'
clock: 10 h 42 min
